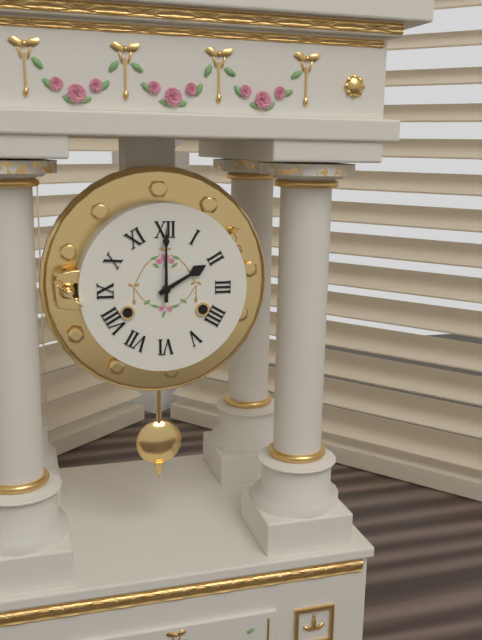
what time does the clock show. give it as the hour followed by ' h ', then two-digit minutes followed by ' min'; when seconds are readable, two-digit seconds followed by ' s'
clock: 2 h 00 min
